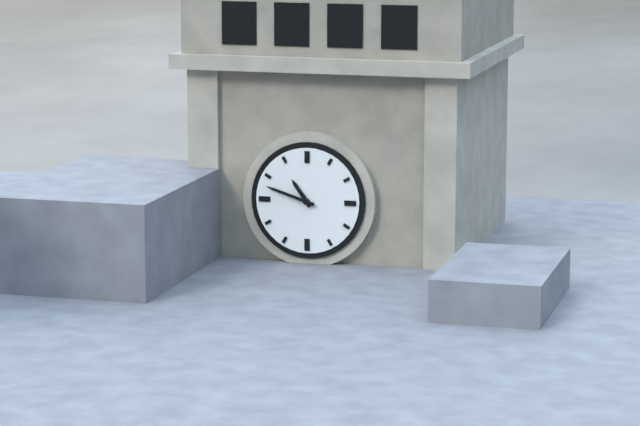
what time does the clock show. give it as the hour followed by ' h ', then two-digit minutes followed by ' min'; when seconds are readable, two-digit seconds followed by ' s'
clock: 10 h 48 min
